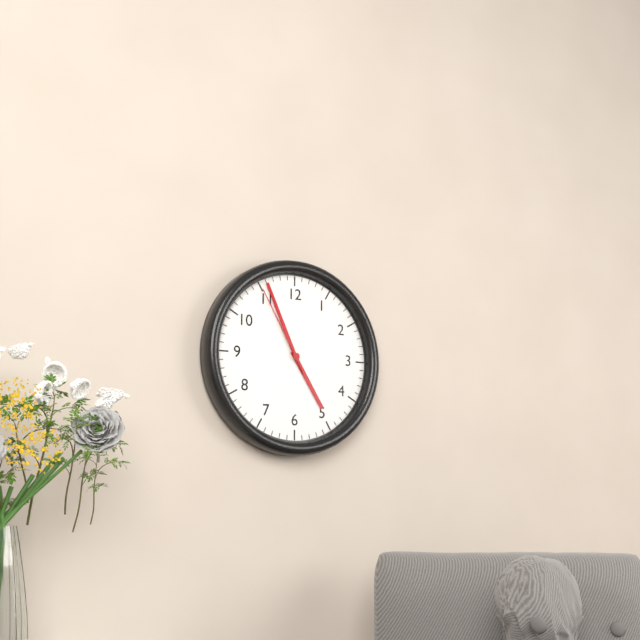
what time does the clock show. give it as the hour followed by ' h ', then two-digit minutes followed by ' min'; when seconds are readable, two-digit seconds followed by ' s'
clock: 4 h 56 min 55 s
